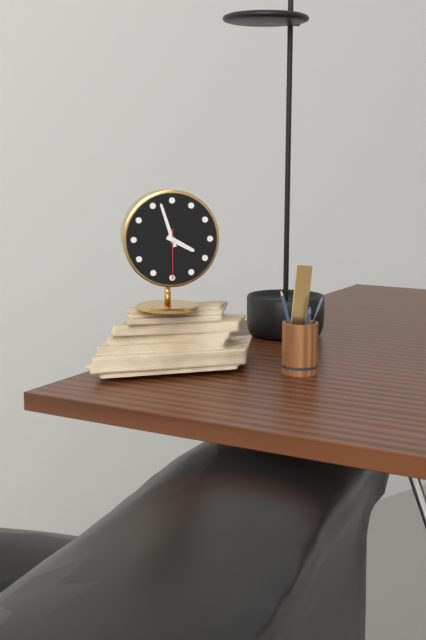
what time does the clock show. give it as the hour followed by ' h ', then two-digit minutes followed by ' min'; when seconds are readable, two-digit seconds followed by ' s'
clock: 3 h 57 min 30 s
